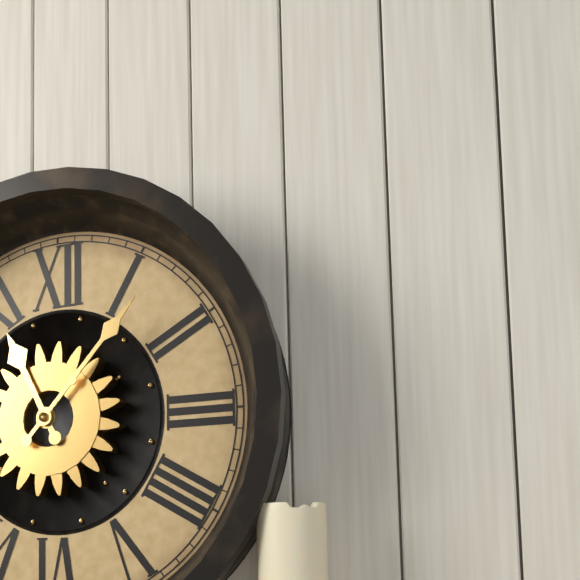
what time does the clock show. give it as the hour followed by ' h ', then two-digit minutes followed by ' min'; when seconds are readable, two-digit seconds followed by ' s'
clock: 11 h 07 min
